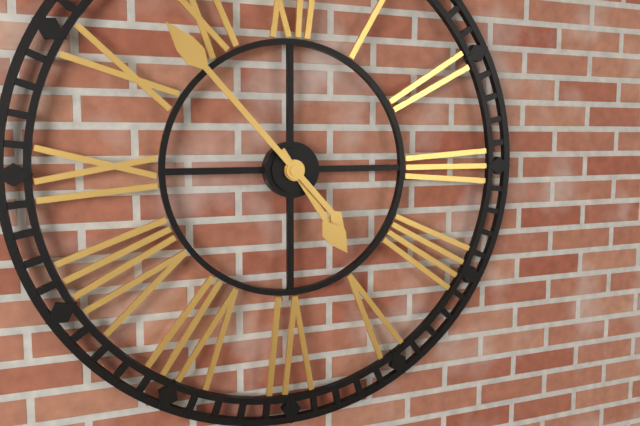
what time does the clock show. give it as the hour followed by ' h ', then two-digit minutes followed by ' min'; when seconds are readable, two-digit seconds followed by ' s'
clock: 4 h 53 min
